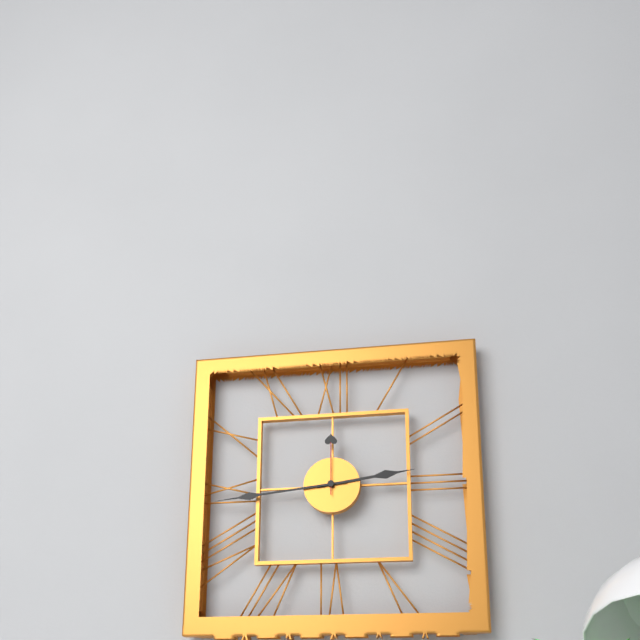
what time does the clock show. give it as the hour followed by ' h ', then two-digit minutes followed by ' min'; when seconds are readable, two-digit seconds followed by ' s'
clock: 2 h 44 min 00 s
